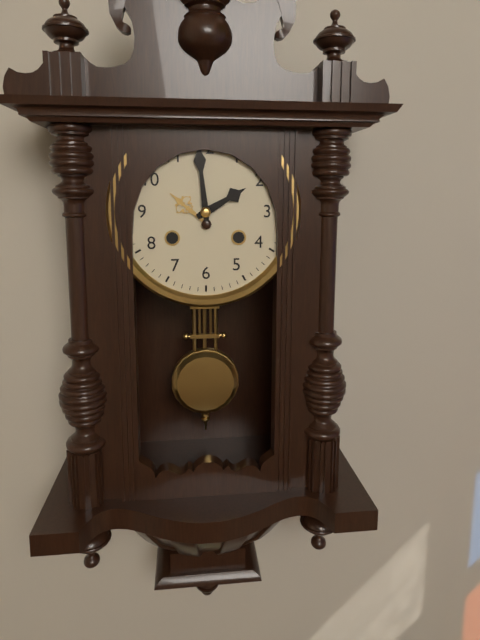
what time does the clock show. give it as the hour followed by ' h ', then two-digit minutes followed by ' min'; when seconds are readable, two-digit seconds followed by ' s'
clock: 1 h 59 min
